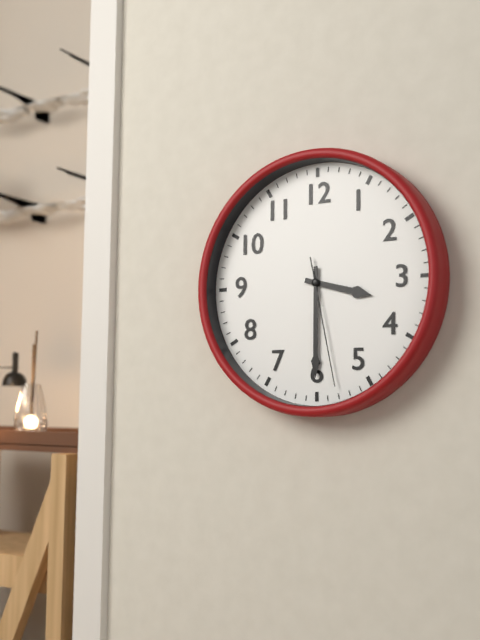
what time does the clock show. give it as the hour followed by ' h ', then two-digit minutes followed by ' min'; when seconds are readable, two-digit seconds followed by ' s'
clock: 3 h 30 min 28 s
